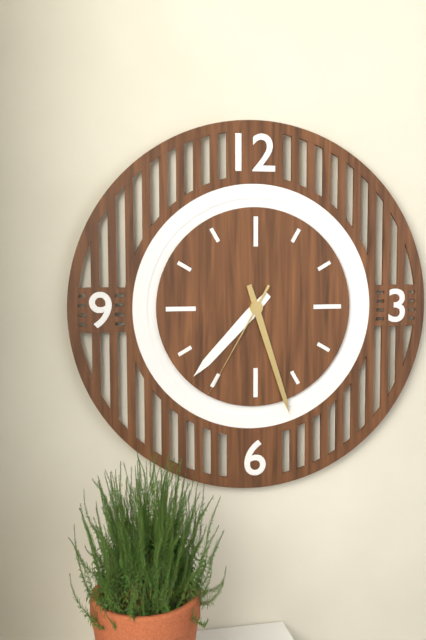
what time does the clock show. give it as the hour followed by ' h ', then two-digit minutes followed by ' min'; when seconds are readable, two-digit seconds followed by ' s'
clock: 7 h 27 min 35 s
